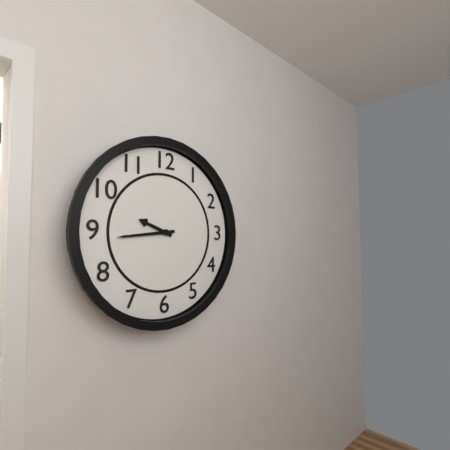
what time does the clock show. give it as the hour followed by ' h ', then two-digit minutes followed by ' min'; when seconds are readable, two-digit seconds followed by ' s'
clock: 9 h 44 min
